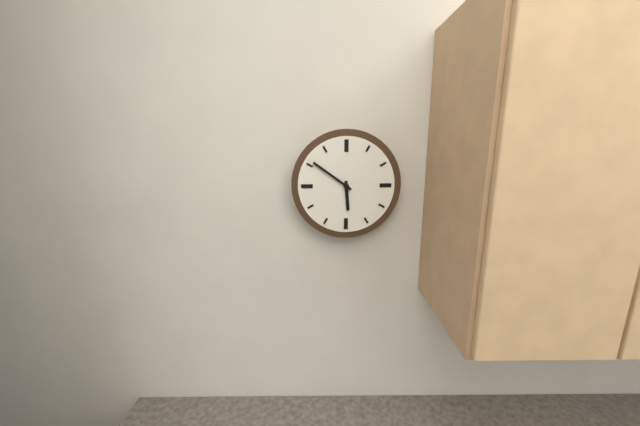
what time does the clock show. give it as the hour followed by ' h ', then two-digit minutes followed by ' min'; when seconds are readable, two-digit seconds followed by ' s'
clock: 5 h 51 min
